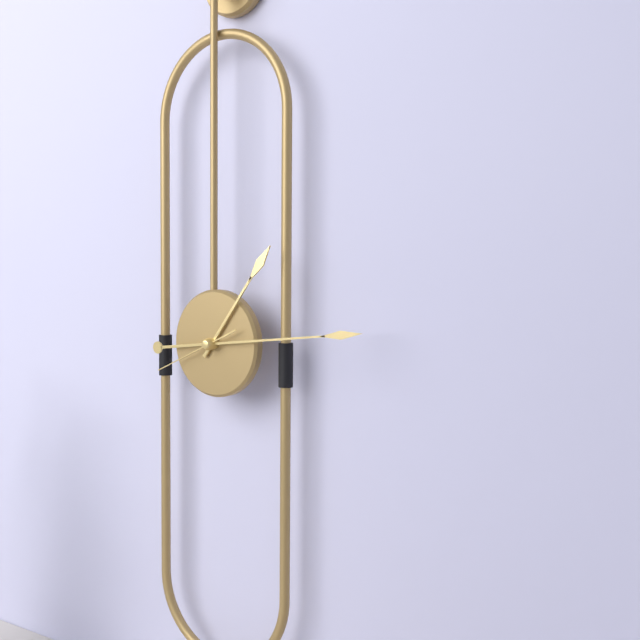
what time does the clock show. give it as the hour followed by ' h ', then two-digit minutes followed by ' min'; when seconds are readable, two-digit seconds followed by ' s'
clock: 1 h 14 min 41 s
